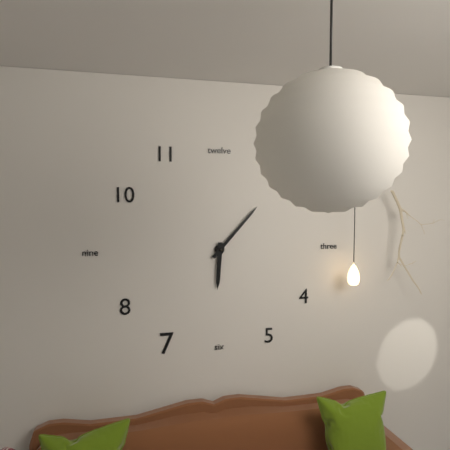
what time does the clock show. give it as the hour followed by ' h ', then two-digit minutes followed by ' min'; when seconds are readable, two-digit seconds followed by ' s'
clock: 6 h 07 min
